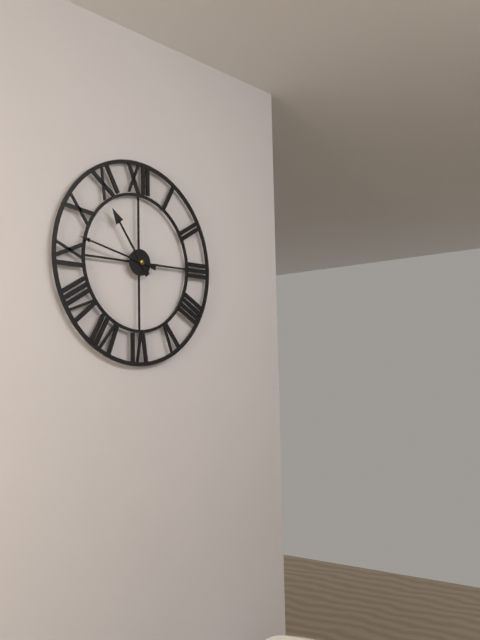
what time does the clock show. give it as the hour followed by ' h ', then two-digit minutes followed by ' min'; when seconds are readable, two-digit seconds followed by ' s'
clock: 10 h 47 min
